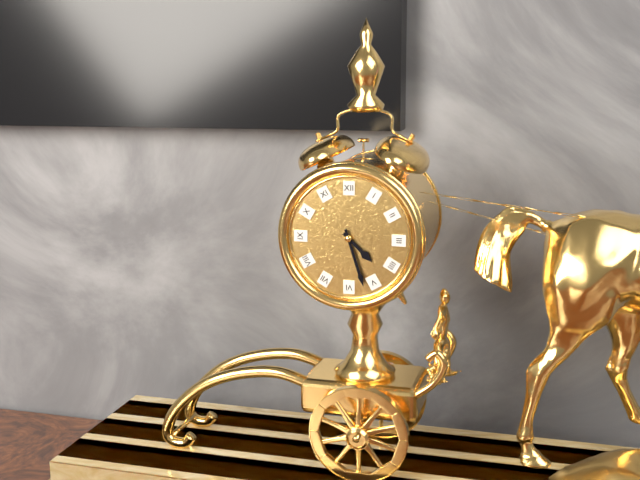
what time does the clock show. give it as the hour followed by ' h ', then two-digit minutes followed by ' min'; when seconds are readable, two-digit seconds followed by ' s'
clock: 4 h 27 min
